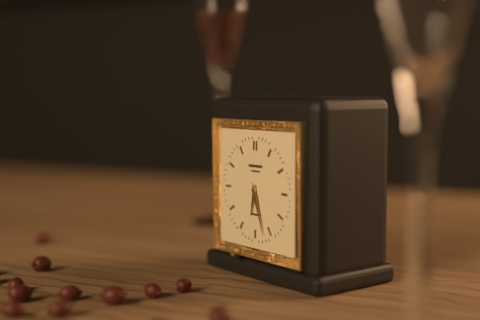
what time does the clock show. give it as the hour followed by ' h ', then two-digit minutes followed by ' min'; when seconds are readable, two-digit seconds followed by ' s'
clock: 6 h 27 min
